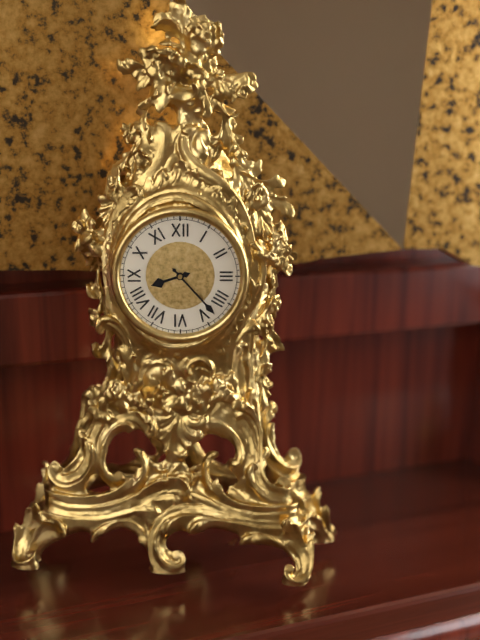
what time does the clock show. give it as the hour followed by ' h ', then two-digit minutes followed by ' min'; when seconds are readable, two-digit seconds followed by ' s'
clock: 8 h 23 min
